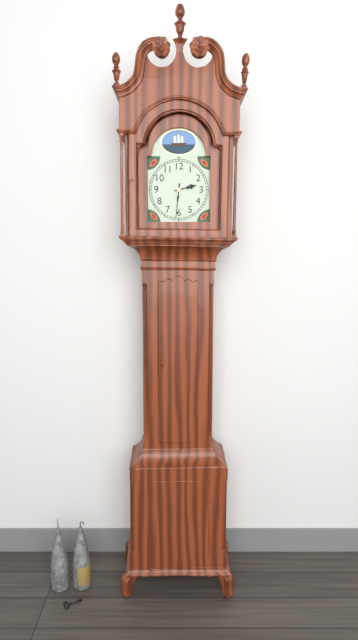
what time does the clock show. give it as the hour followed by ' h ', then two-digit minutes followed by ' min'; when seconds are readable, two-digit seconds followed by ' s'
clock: 2 h 31 min
